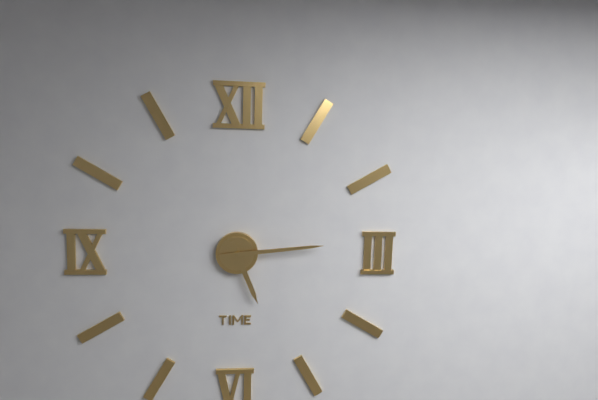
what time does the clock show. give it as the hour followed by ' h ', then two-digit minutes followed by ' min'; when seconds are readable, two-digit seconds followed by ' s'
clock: 5 h 14 min
